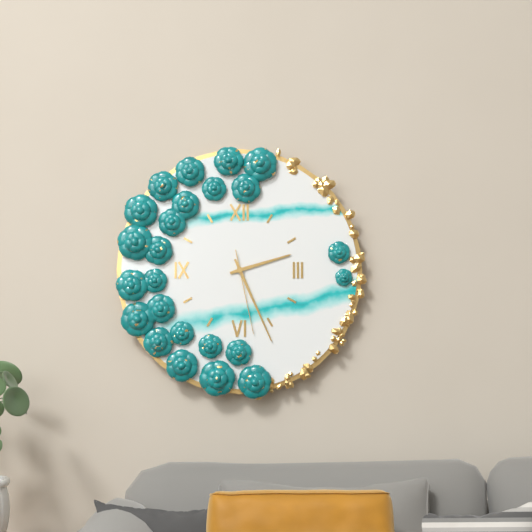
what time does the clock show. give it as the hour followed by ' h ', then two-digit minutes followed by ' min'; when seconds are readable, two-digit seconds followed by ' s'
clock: 2 h 26 min 28 s
